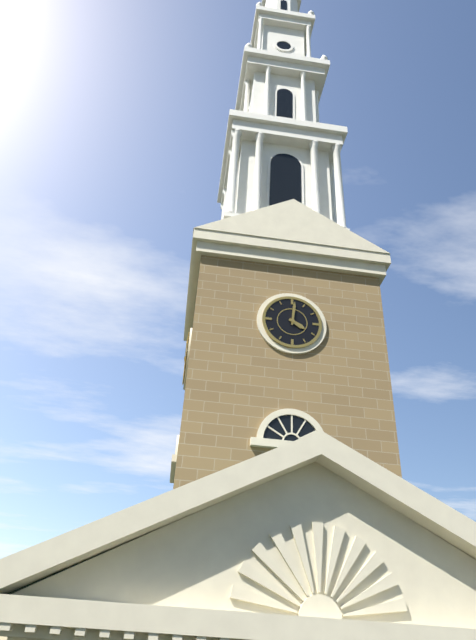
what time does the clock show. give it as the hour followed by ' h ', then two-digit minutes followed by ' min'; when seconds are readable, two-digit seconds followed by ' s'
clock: 4 h 01 min
